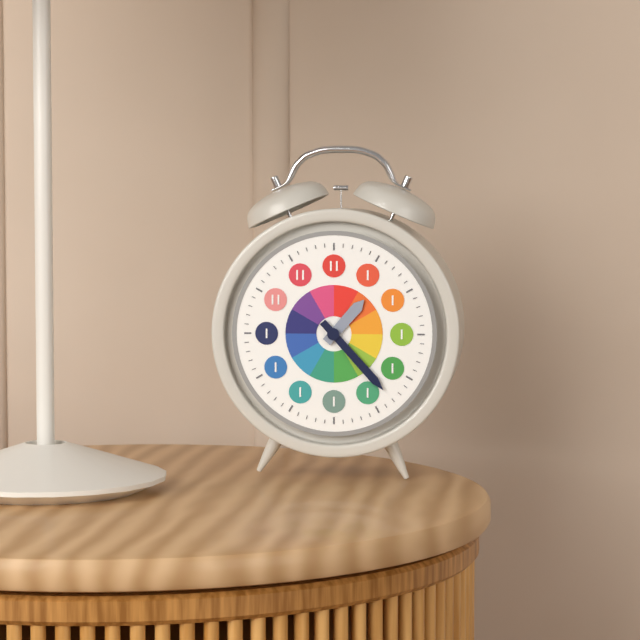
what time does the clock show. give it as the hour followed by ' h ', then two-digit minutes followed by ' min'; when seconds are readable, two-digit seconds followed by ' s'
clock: 1 h 23 min
